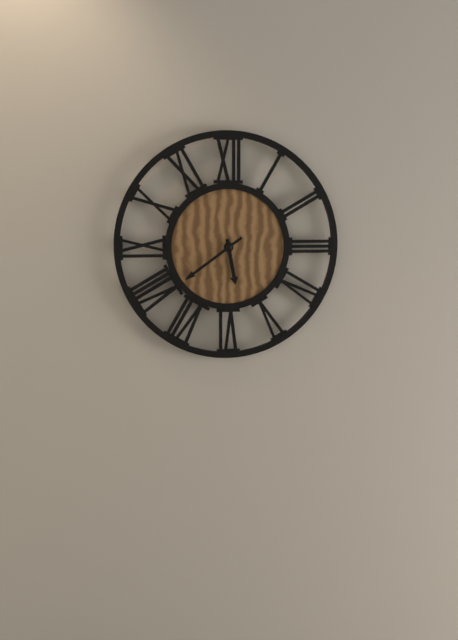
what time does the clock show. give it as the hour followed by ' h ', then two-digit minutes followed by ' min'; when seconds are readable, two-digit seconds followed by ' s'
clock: 5 h 39 min
